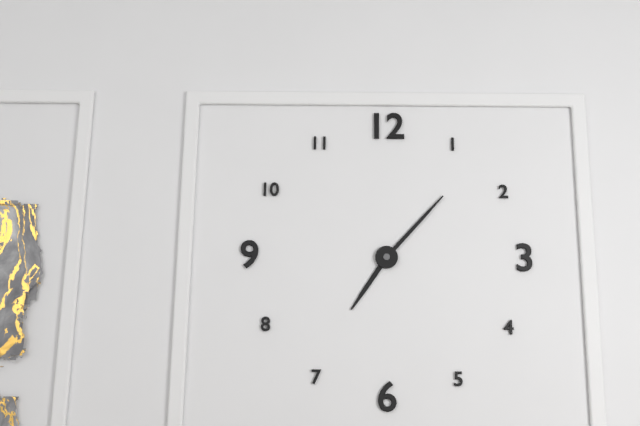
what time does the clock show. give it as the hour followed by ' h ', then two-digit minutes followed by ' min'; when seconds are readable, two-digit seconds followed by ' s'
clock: 7 h 07 min
